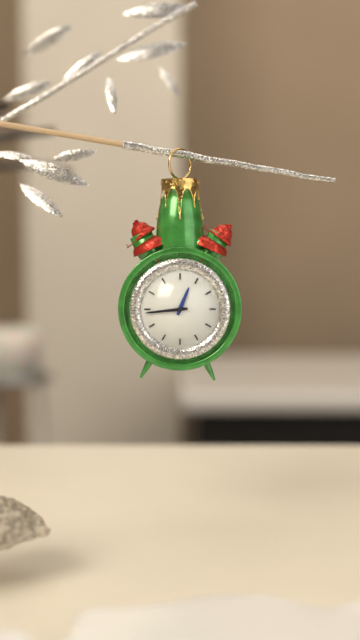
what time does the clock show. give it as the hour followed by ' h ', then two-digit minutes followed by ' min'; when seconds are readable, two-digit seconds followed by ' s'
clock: 12 h 44 min
